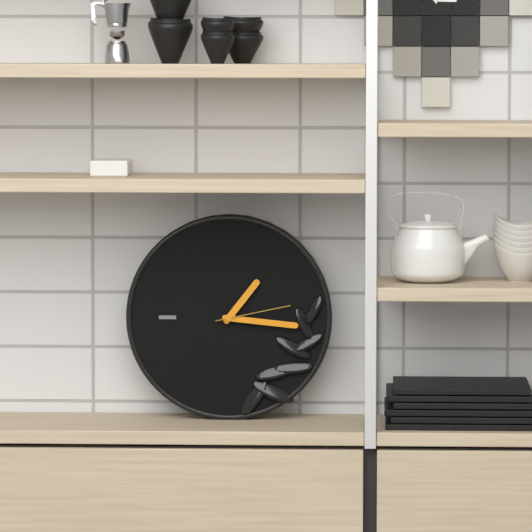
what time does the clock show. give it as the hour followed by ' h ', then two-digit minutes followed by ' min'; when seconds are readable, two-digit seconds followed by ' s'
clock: 1 h 16 min 13 s
